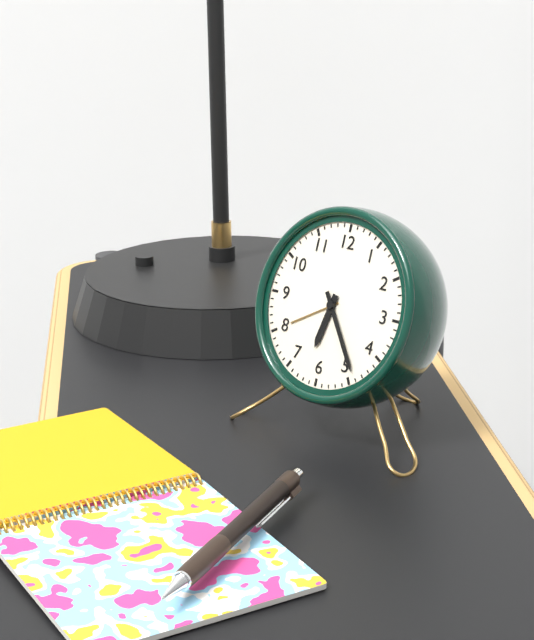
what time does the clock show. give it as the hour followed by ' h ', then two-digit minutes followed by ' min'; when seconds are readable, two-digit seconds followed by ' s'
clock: 6 h 24 min
